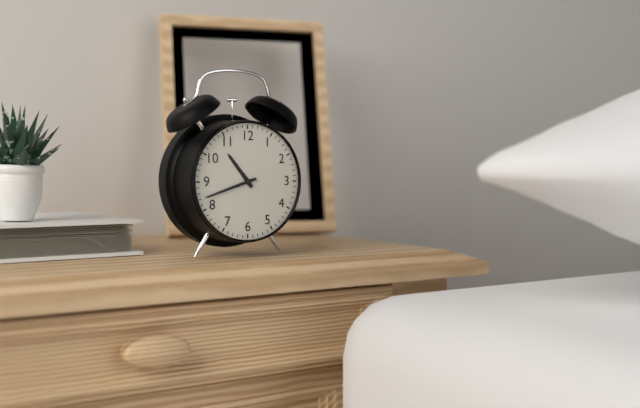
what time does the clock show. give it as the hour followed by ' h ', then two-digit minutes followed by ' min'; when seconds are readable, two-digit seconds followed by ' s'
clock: 10 h 42 min
